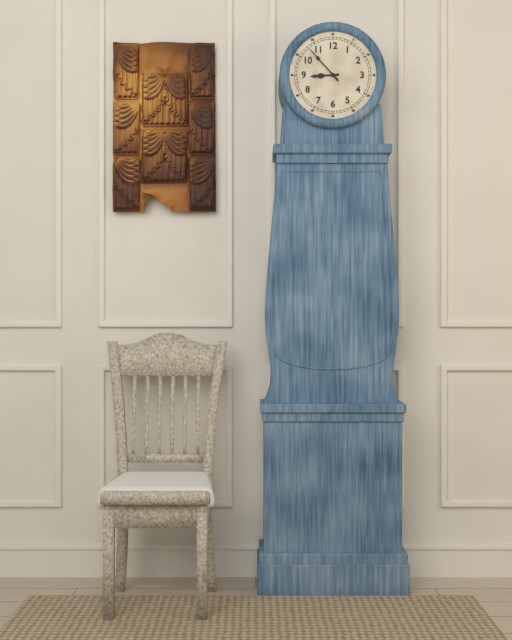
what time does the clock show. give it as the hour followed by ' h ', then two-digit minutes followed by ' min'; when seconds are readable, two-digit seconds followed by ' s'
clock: 8 h 53 min
